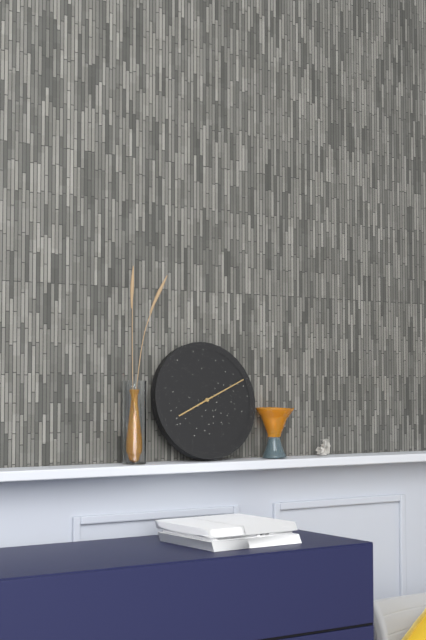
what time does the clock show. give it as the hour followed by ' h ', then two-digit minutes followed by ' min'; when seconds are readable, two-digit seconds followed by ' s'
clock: 8 h 11 min
